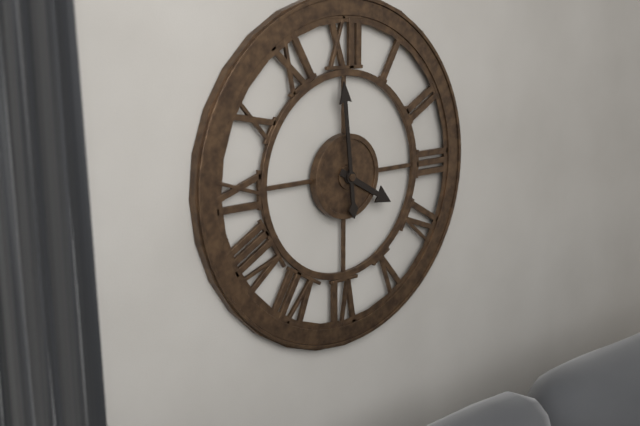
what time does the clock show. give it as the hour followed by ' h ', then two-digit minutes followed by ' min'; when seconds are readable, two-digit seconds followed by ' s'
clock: 3 h 59 min
